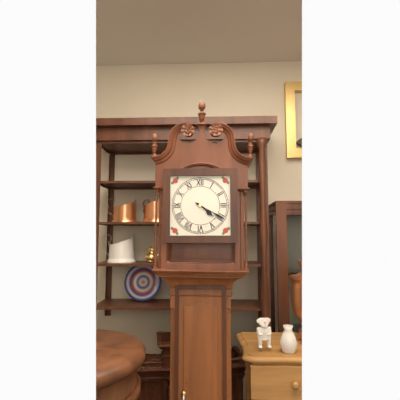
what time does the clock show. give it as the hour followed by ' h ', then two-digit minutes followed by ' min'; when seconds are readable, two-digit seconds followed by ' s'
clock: 4 h 20 min
